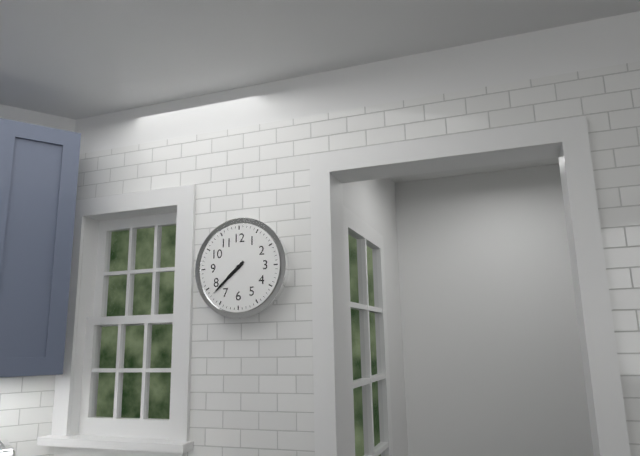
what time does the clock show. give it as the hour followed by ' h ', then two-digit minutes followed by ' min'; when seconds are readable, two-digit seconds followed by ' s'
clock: 7 h 38 min
